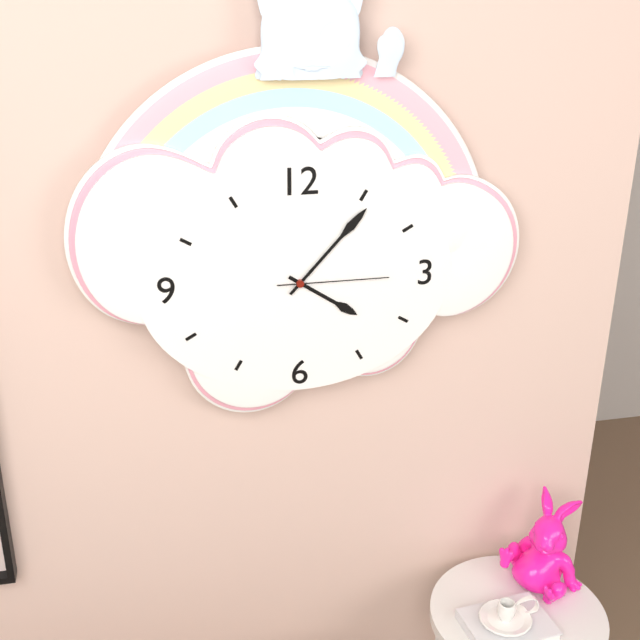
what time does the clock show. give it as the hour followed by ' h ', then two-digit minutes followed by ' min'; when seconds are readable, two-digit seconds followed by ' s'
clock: 4 h 07 min 15 s
